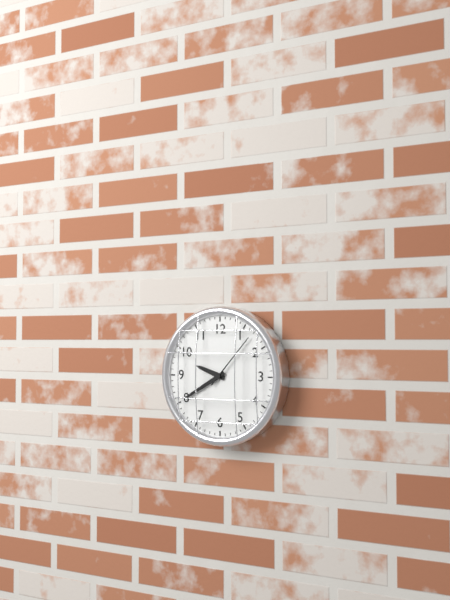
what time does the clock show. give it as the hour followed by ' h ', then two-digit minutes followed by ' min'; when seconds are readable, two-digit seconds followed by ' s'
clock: 9 h 40 min 07 s
